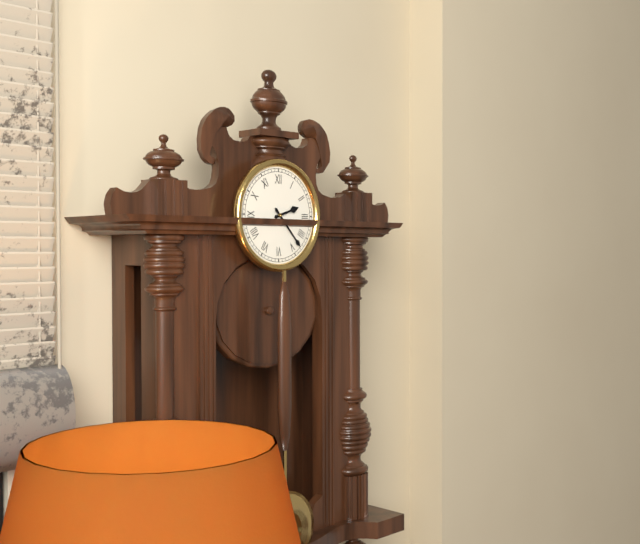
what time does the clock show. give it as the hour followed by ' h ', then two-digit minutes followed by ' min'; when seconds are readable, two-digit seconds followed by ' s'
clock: 2 h 23 min
